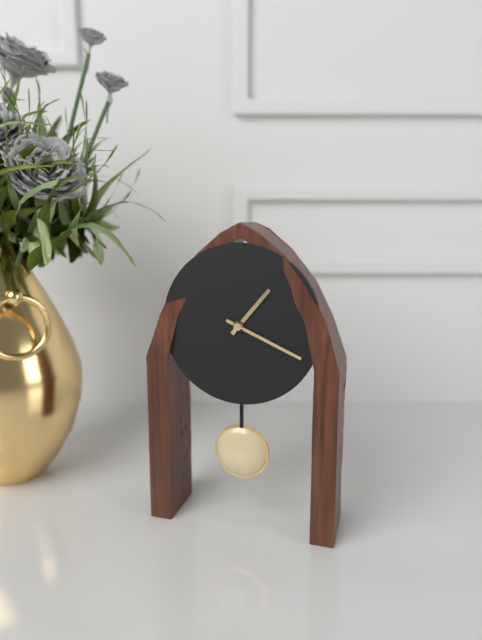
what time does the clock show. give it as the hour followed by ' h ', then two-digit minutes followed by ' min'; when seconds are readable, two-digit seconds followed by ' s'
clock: 1 h 19 min
